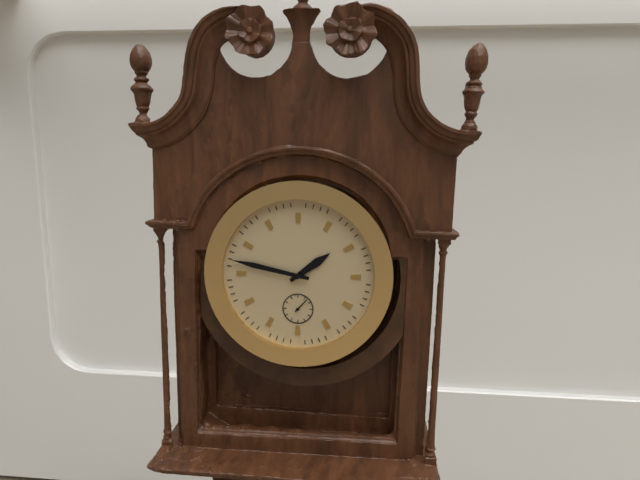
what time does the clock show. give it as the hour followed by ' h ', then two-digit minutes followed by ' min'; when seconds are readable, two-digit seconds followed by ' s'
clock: 1 h 47 min
